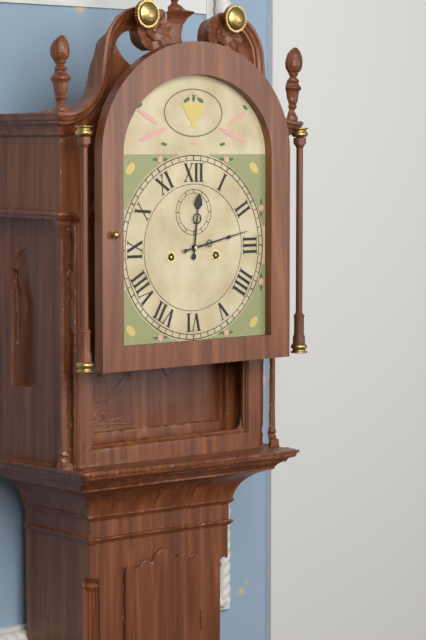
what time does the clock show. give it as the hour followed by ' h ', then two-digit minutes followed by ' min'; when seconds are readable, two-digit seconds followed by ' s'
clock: 12 h 13 min
